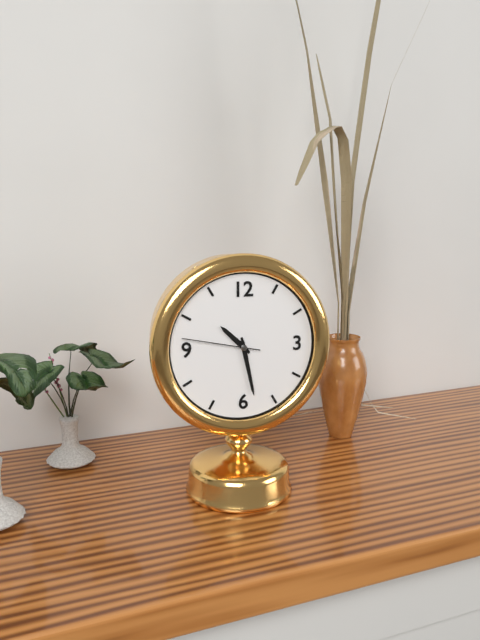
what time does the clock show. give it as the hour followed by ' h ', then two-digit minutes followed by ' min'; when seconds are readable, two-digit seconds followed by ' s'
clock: 10 h 28 min 47 s
